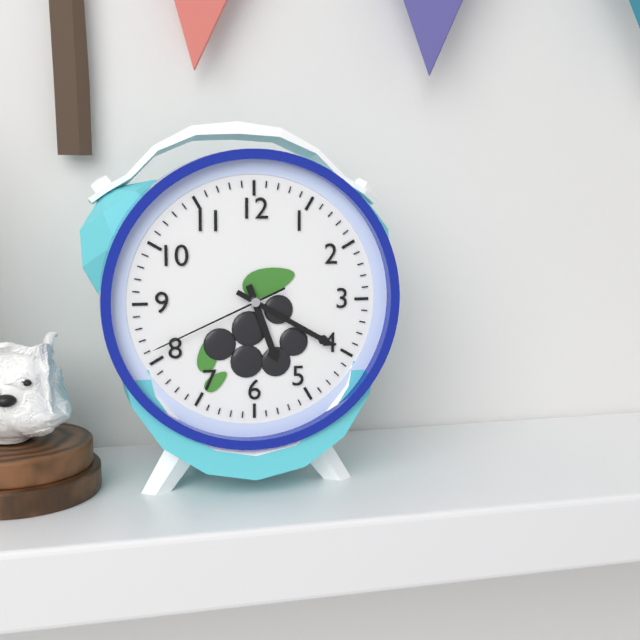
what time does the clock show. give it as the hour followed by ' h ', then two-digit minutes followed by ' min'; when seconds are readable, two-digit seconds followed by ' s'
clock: 5 h 20 min 41 s
